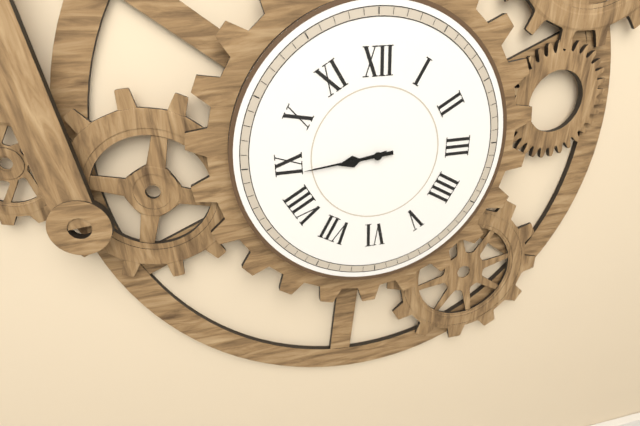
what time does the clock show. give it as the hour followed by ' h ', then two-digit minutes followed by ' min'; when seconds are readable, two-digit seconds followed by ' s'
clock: 8 h 44 min
